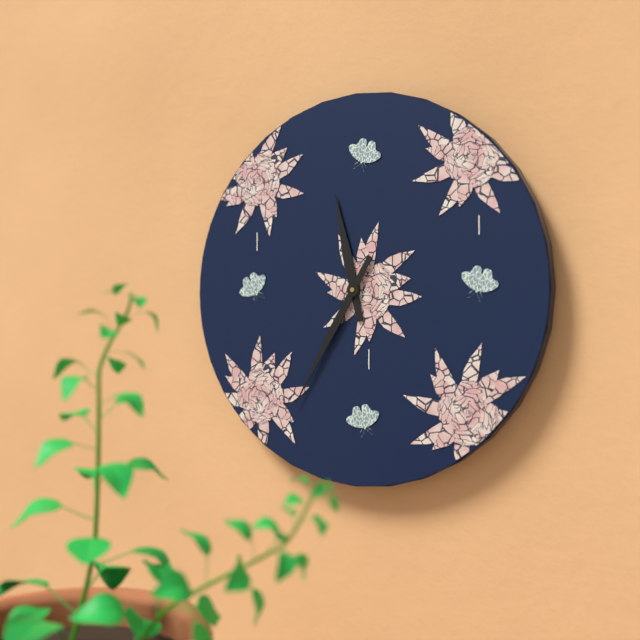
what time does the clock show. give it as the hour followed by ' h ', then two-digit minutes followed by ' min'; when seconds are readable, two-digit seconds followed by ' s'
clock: 11 h 35 min
